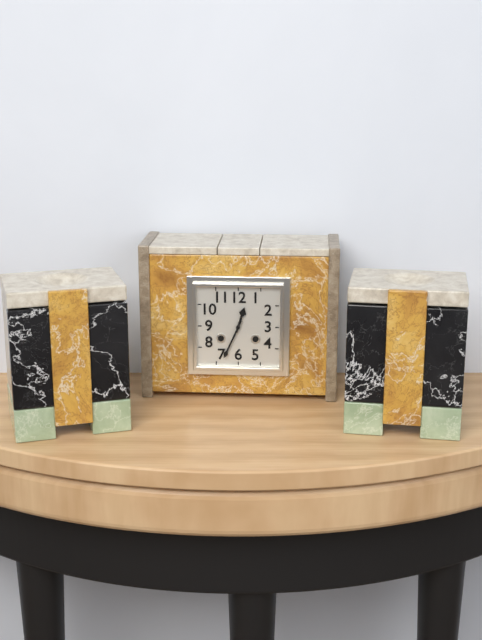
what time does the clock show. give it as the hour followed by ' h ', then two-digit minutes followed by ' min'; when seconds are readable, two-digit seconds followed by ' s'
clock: 12 h 34 min
